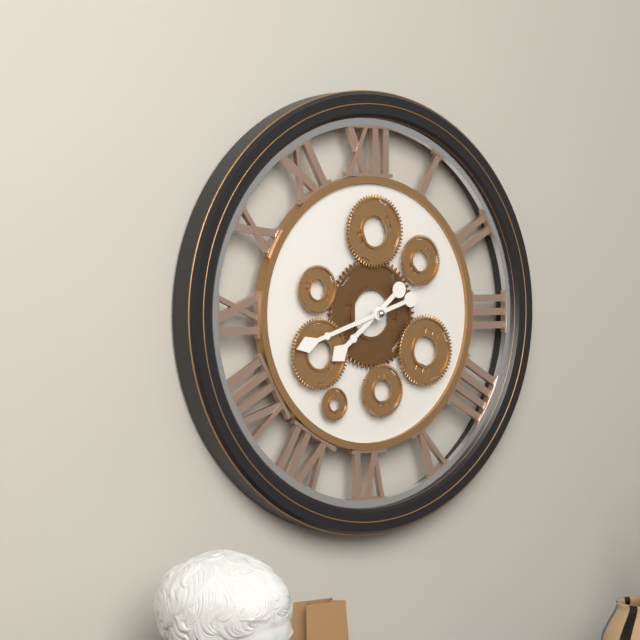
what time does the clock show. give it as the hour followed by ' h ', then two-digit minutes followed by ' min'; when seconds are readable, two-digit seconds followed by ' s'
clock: 7 h 42 min
